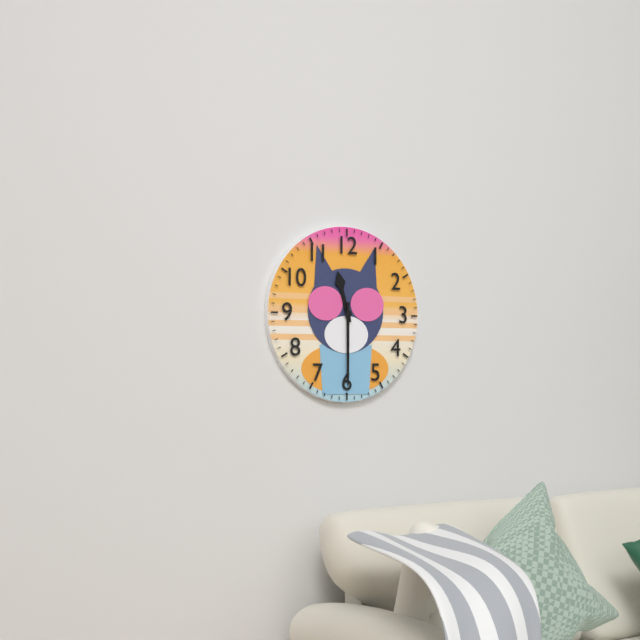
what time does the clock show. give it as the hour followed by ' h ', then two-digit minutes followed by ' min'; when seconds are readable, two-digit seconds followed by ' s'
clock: 11 h 30 min
